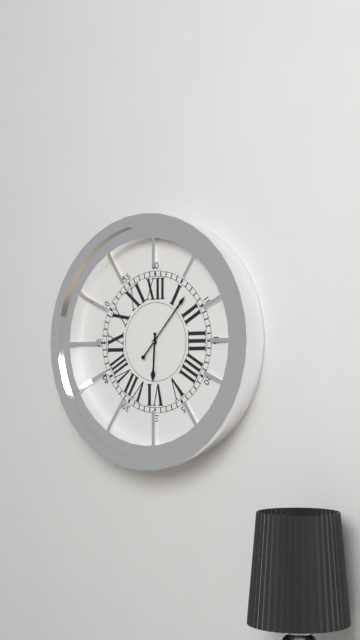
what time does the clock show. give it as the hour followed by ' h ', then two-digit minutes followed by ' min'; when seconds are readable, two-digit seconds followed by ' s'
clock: 6 h 07 min
